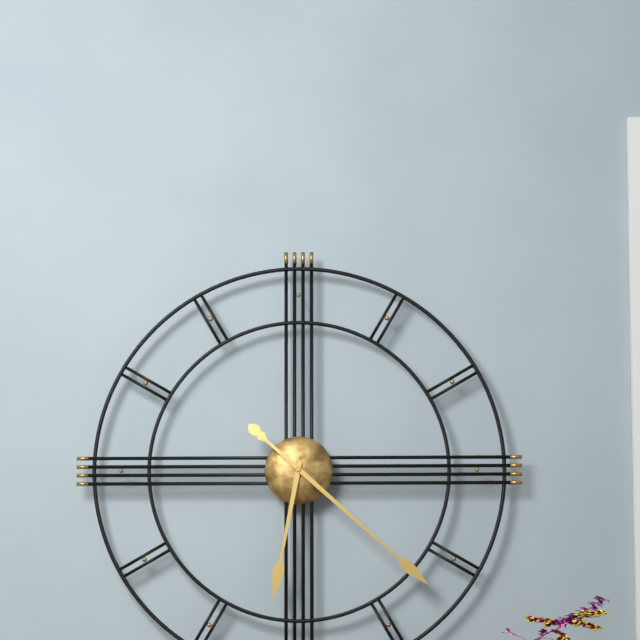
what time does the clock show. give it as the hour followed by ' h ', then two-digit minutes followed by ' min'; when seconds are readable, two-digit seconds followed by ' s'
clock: 6 h 22 min
